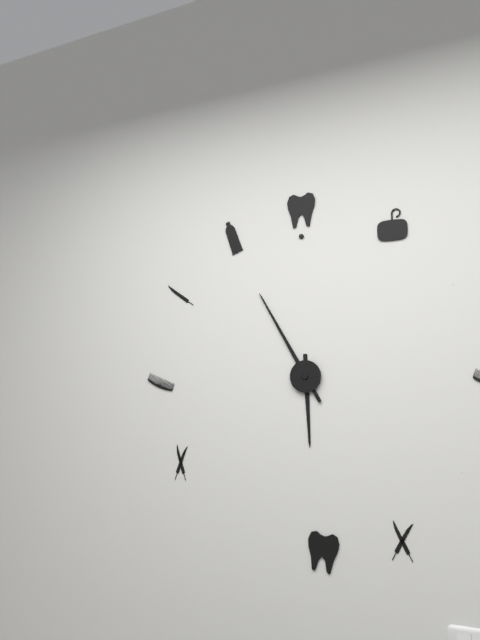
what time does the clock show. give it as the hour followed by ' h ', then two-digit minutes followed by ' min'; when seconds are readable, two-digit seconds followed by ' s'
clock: 5 h 55 min
